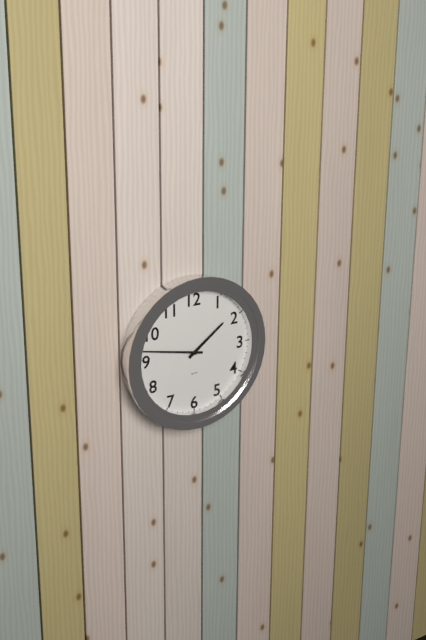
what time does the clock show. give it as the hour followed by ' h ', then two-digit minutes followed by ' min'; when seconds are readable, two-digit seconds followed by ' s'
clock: 1 h 47 min
